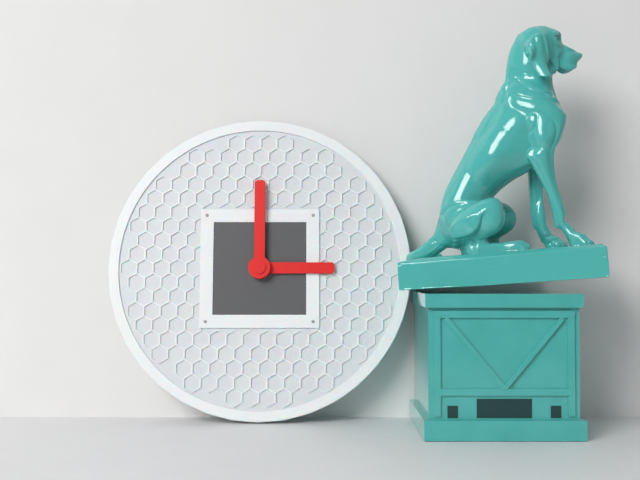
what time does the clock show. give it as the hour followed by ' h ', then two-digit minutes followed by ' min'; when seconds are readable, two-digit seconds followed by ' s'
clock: 3 h 00 min
